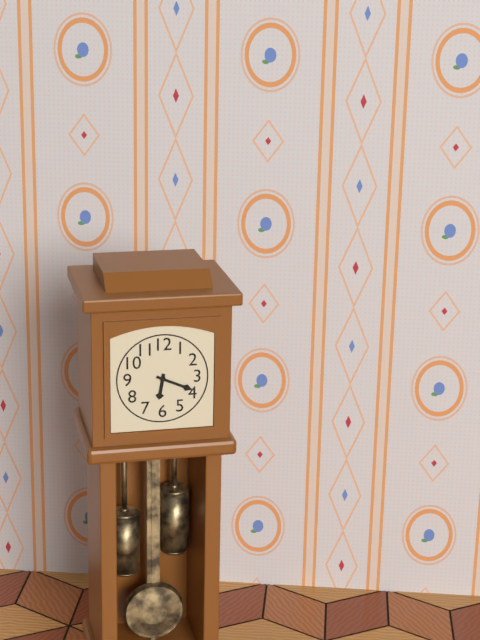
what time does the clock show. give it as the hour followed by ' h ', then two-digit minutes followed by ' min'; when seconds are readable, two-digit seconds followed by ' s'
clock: 6 h 19 min
